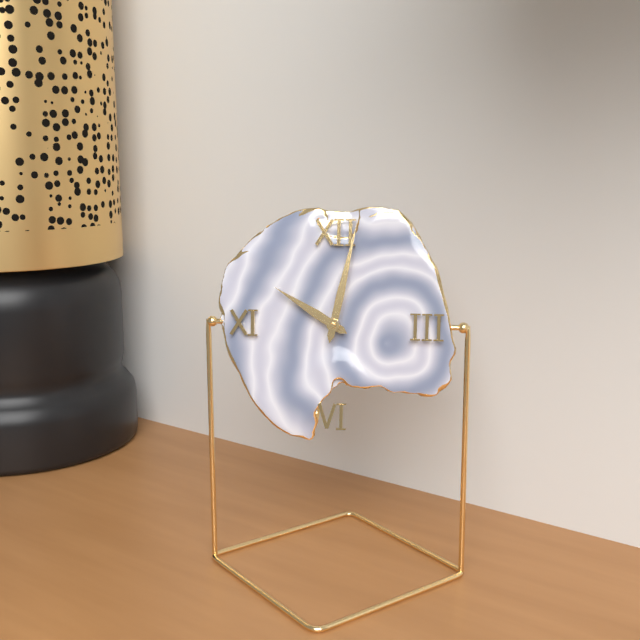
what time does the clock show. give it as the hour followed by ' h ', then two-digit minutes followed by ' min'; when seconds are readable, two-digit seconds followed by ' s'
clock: 10 h 02 min
